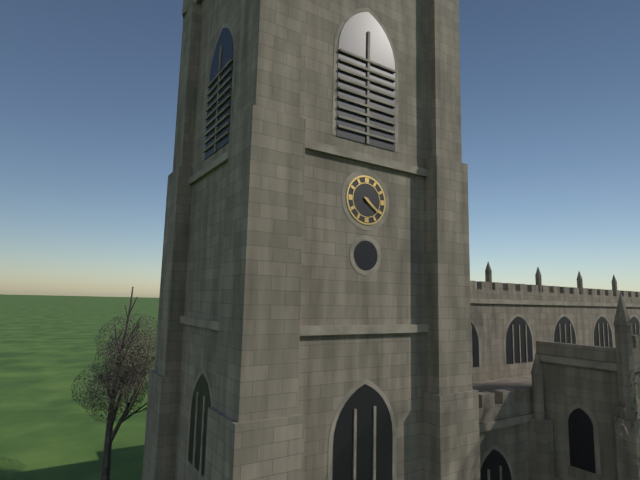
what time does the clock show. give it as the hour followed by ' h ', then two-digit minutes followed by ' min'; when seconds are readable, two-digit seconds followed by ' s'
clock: 4 h 21 min
